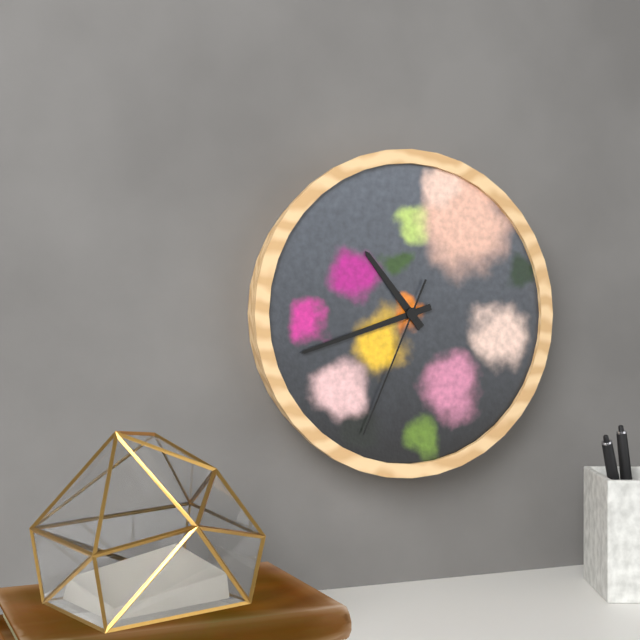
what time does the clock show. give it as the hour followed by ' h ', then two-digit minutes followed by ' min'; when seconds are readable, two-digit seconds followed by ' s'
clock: 10 h 42 min 34 s
